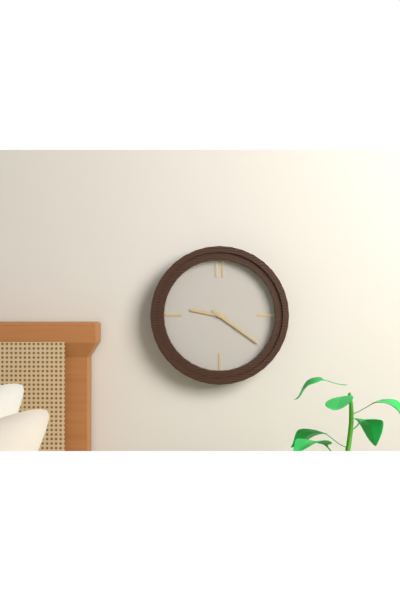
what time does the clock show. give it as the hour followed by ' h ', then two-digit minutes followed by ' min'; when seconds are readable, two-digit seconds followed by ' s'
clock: 9 h 21 min
